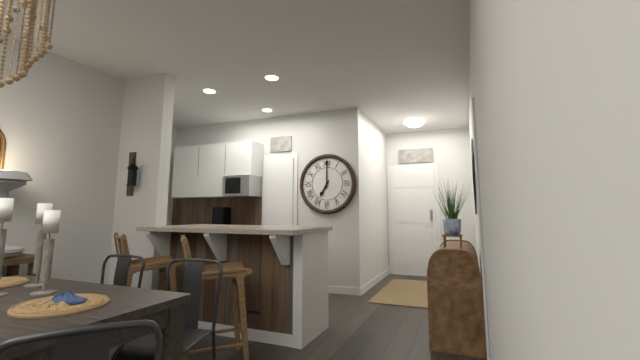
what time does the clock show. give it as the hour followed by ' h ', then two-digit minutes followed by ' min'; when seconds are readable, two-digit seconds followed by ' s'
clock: 7 h 00 min
